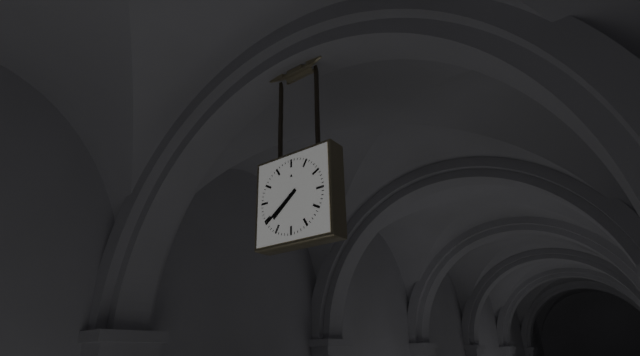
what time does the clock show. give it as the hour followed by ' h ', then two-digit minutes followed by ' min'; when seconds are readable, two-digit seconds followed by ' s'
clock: 7 h 39 min
